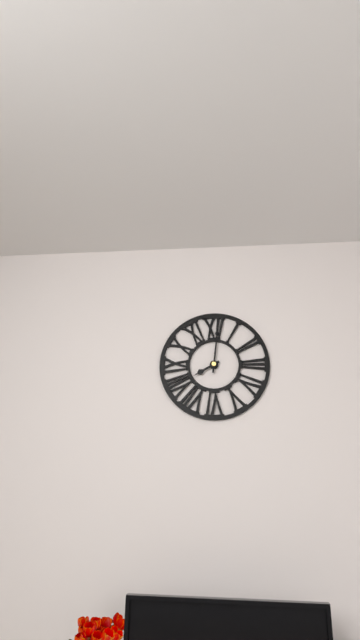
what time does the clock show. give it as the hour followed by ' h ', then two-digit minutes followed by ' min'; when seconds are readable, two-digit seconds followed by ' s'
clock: 8 h 01 min
